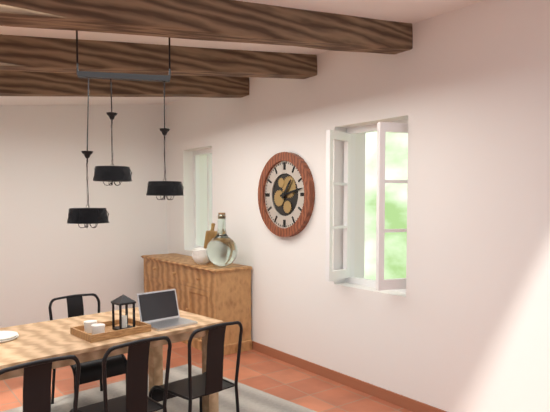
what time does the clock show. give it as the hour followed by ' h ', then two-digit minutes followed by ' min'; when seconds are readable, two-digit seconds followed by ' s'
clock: 1 h 13 min
